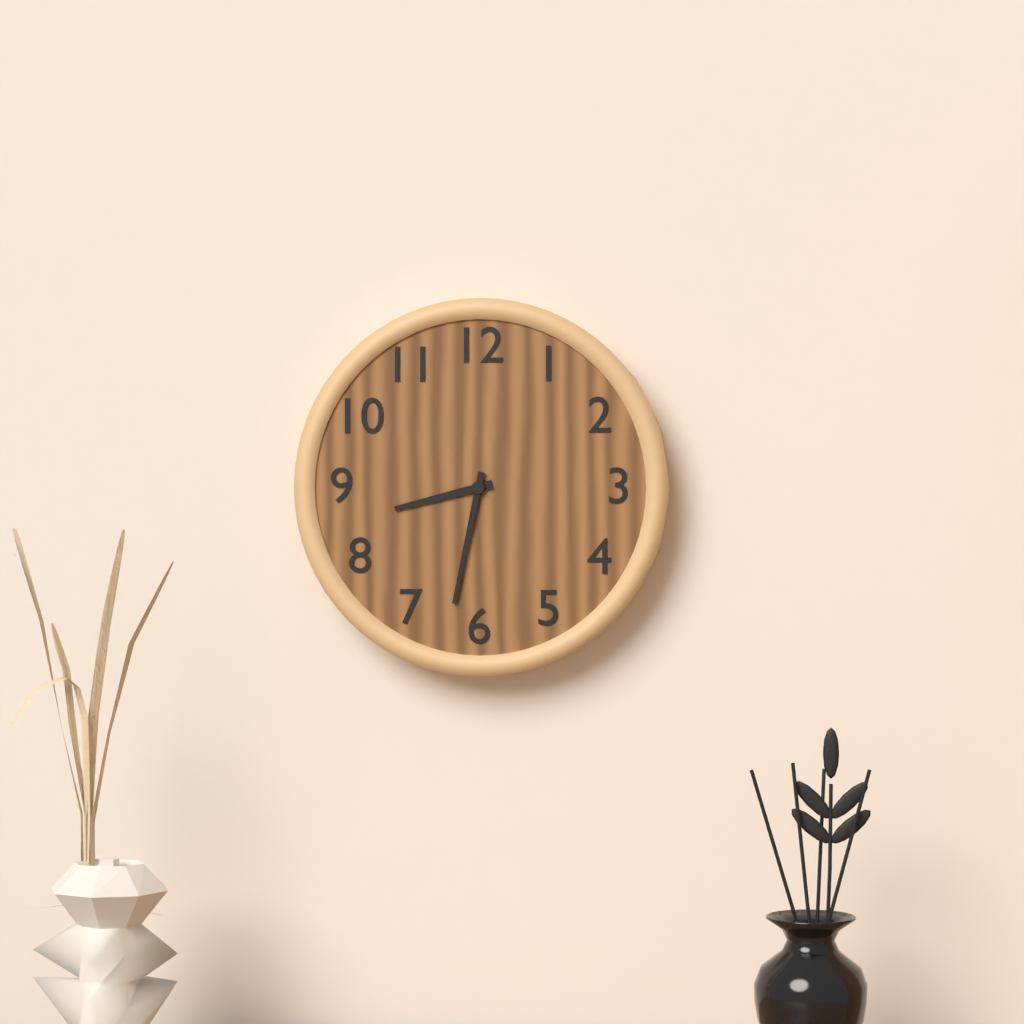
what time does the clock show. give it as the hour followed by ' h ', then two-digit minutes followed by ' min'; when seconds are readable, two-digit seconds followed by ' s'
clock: 8 h 32 min
